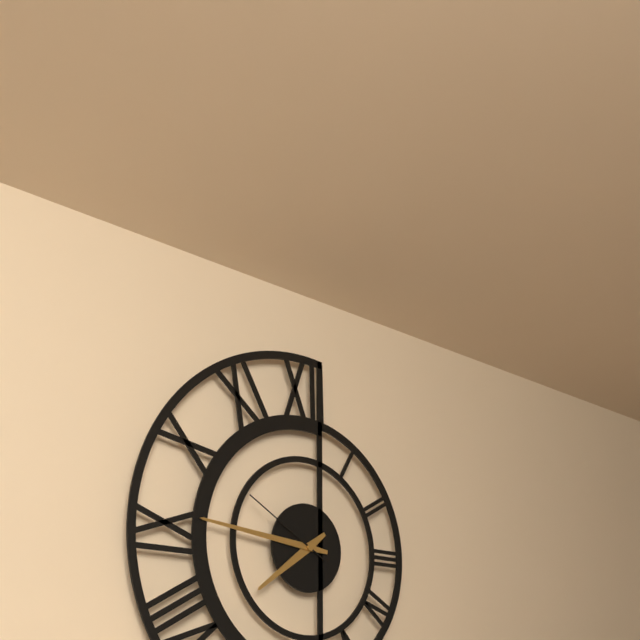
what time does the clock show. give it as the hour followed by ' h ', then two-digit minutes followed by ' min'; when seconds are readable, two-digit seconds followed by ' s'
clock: 7 h 46 min 50 s
